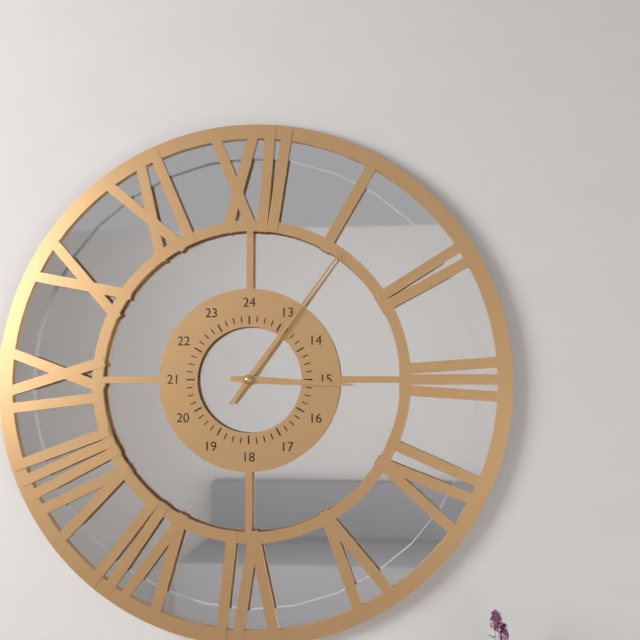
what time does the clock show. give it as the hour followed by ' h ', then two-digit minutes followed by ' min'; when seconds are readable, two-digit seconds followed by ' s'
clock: 3 h 06 min
